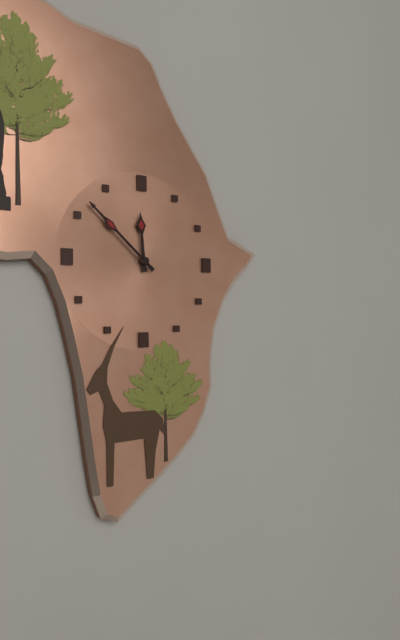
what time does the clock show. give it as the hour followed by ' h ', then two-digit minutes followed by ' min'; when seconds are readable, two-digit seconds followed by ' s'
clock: 11 h 52 min
